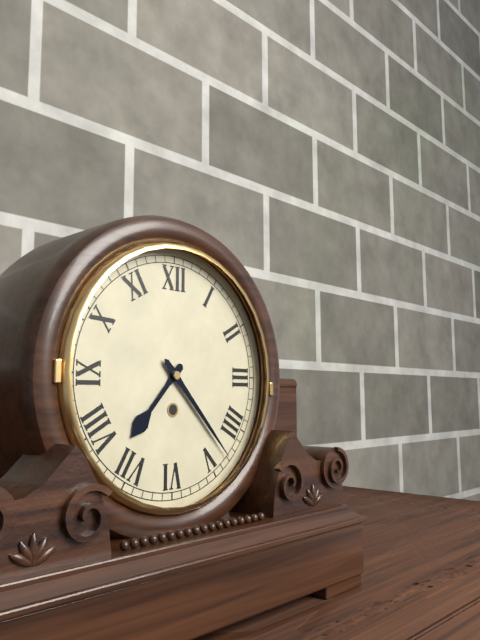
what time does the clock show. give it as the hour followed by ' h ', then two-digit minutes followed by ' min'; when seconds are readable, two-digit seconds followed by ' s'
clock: 7 h 23 min
